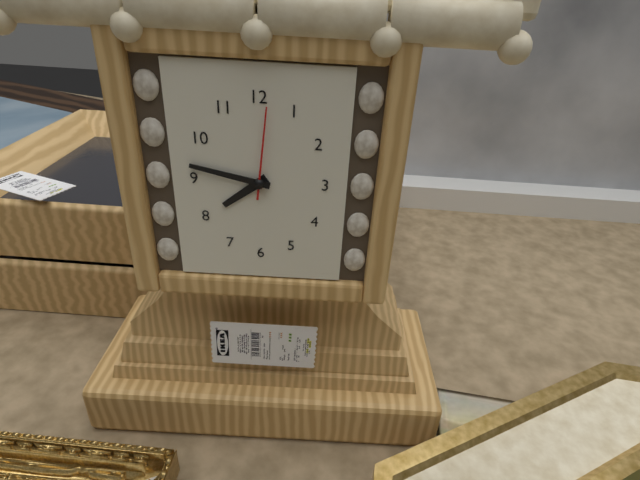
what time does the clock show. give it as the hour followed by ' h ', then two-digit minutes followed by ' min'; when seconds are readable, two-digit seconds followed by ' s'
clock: 7 h 47 min 01 s
